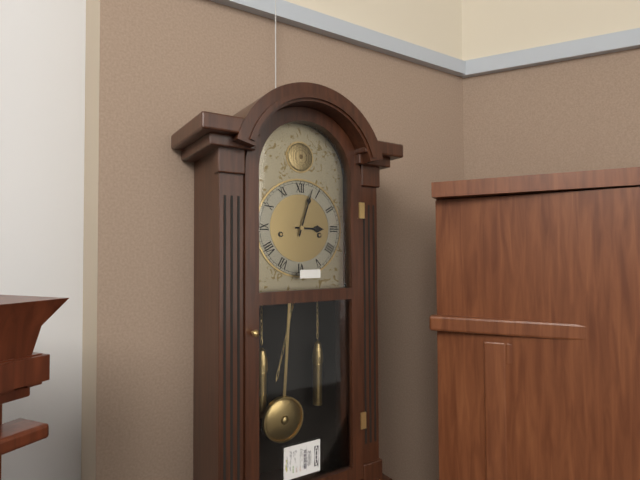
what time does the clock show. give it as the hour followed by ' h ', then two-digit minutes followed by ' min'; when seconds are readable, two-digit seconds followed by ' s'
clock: 3 h 03 min
